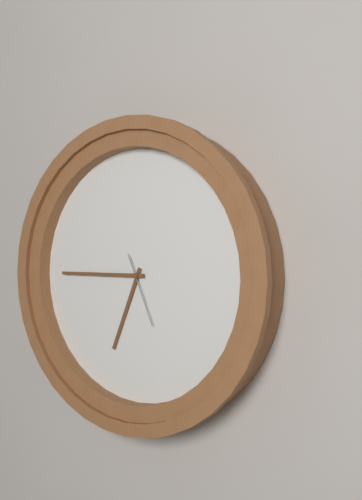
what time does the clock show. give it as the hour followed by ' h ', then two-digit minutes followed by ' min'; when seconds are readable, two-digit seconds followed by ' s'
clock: 6 h 45 min 26 s
